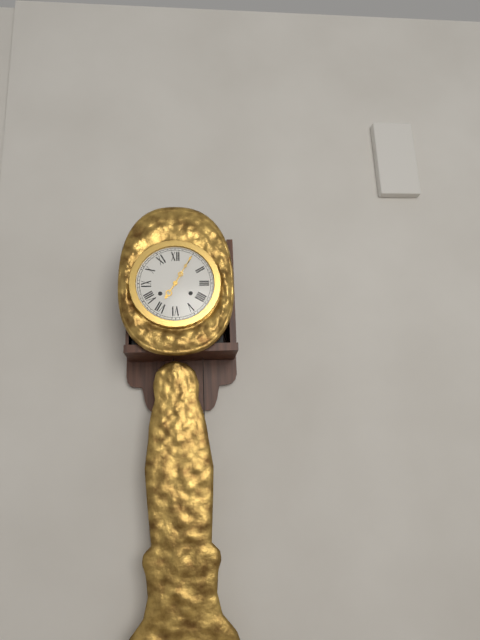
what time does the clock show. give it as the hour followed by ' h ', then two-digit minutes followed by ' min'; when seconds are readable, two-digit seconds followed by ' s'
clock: 7 h 05 min
